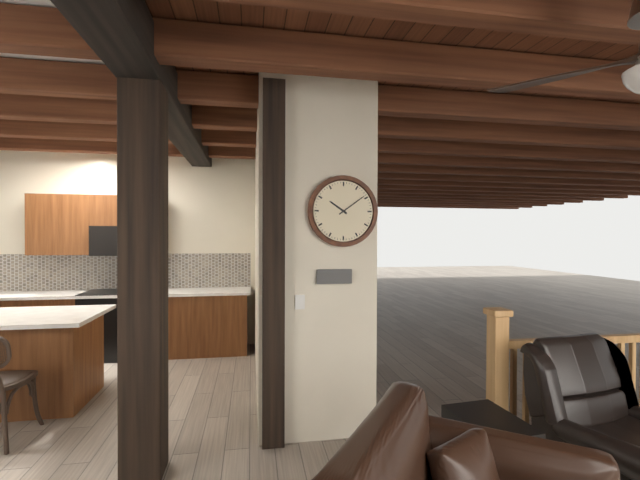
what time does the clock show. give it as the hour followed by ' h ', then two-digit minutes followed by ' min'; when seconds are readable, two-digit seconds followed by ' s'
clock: 10 h 09 min
